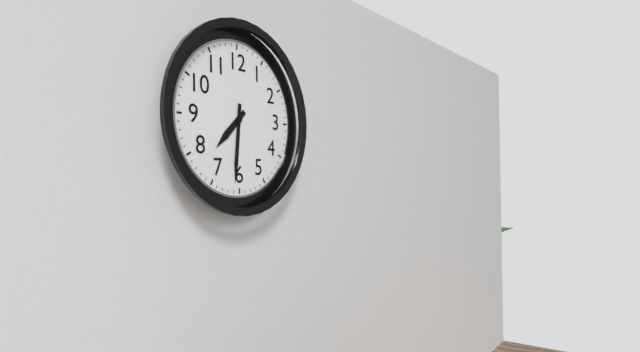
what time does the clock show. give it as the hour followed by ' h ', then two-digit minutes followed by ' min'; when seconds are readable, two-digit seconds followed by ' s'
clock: 7 h 31 min
